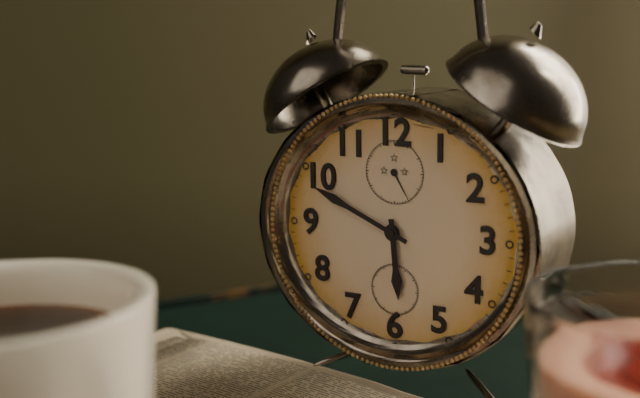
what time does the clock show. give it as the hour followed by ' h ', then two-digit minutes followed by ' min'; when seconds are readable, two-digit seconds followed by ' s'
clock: 5 h 49 min
